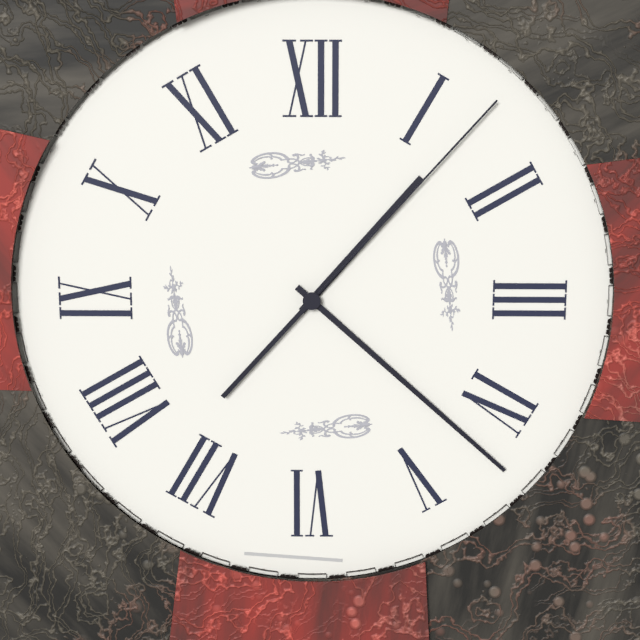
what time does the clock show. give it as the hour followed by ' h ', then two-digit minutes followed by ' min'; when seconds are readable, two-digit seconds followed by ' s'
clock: 1 h 22 min 07 s
